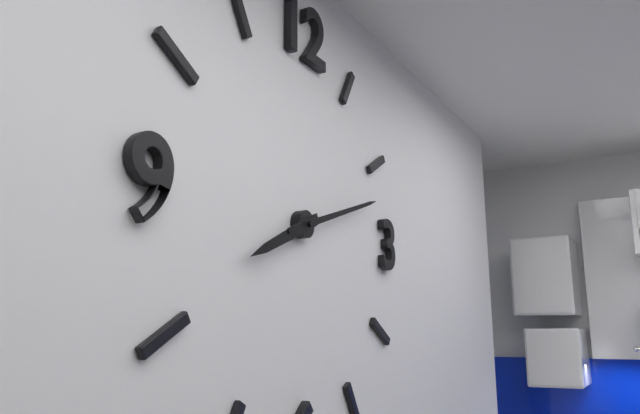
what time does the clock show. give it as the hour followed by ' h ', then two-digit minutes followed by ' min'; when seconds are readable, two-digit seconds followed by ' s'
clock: 8 h 12 min
